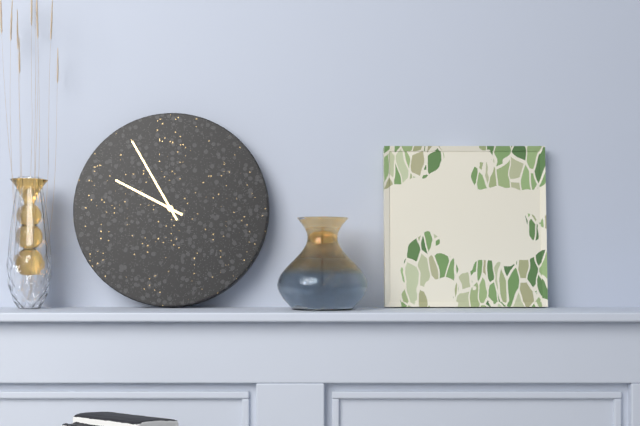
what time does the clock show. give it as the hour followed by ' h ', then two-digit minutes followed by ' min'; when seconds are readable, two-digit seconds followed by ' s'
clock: 9 h 55 min
